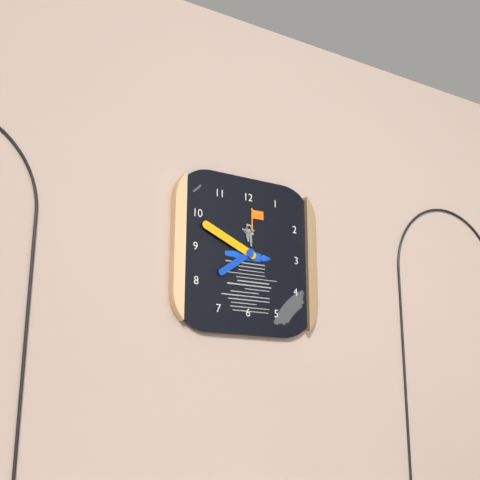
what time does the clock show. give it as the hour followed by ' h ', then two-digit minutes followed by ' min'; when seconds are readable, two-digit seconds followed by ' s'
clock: 7 h 49 min
